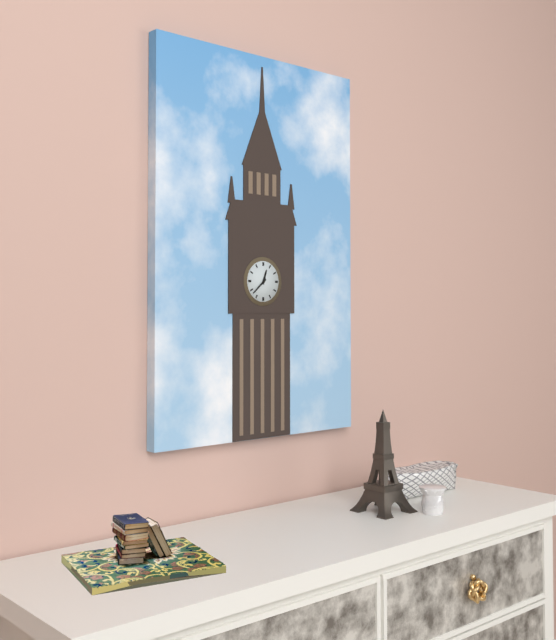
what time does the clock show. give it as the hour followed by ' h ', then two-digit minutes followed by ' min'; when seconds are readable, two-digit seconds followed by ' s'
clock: 12 h 38 min
